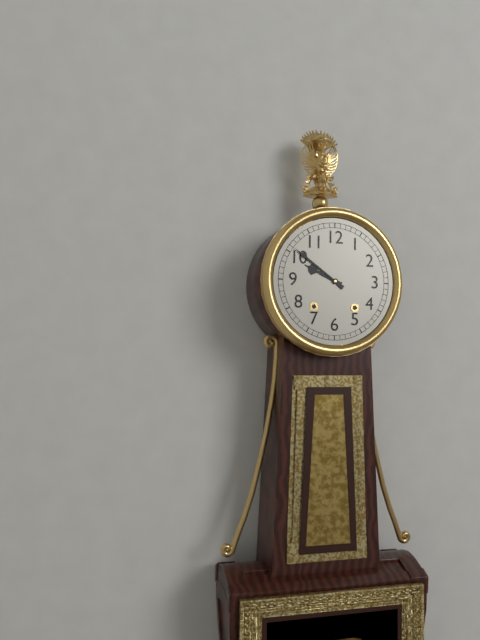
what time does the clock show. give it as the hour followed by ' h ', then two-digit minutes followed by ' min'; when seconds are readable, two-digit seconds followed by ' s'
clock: 9 h 51 min
